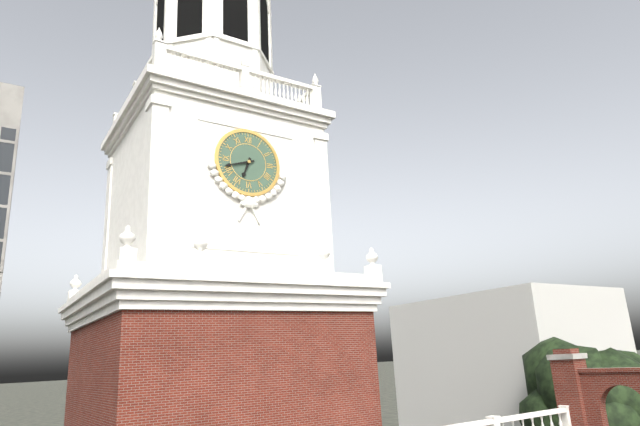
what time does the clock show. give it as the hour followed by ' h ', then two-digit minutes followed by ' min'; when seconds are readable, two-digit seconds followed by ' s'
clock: 6 h 42 min
